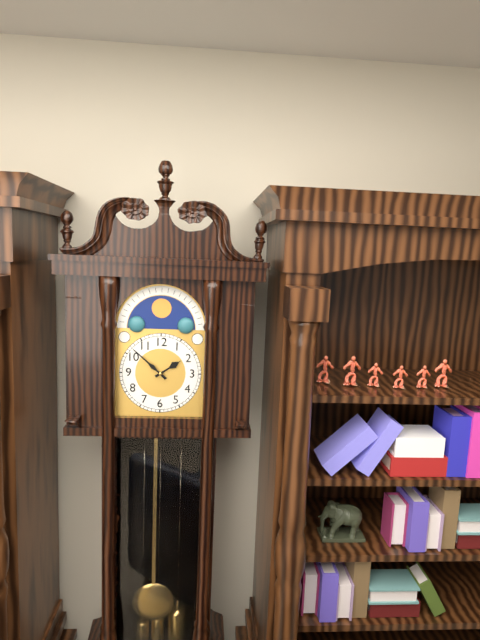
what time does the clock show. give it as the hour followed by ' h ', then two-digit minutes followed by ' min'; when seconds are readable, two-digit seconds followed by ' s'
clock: 1 h 52 min
